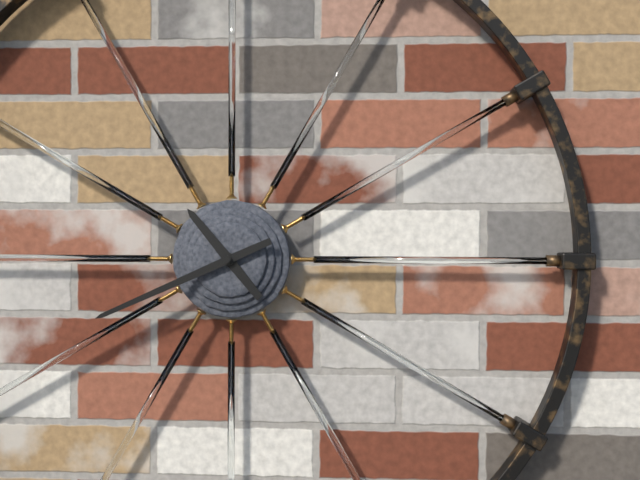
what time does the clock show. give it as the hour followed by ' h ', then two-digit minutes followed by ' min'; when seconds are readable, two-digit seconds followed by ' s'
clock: 10 h 41 min
